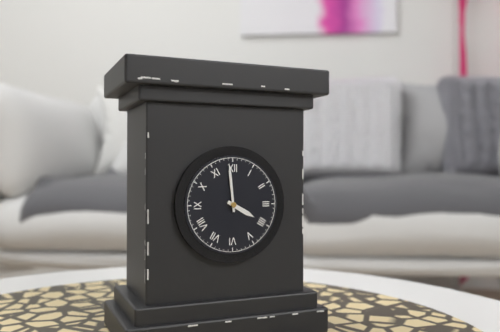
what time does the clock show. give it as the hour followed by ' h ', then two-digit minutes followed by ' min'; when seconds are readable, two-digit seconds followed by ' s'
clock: 3 h 59 min
